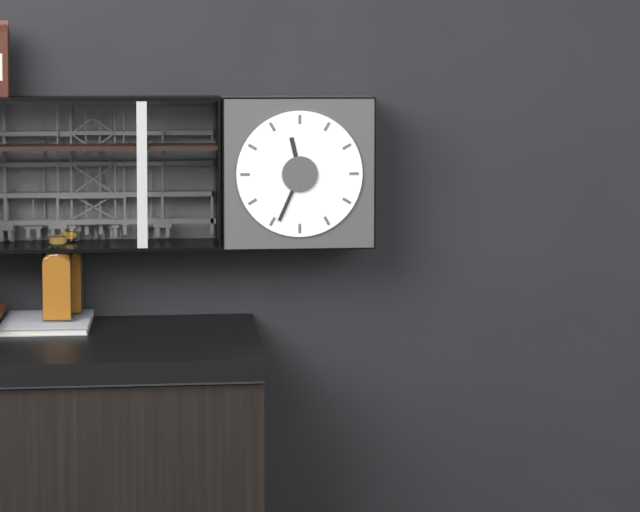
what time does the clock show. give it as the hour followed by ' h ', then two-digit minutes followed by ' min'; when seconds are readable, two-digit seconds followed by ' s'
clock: 11 h 34 min
